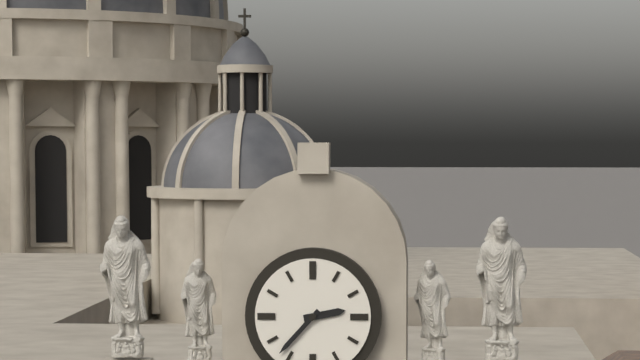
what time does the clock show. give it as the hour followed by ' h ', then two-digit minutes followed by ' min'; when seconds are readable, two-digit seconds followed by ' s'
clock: 2 h 37 min
